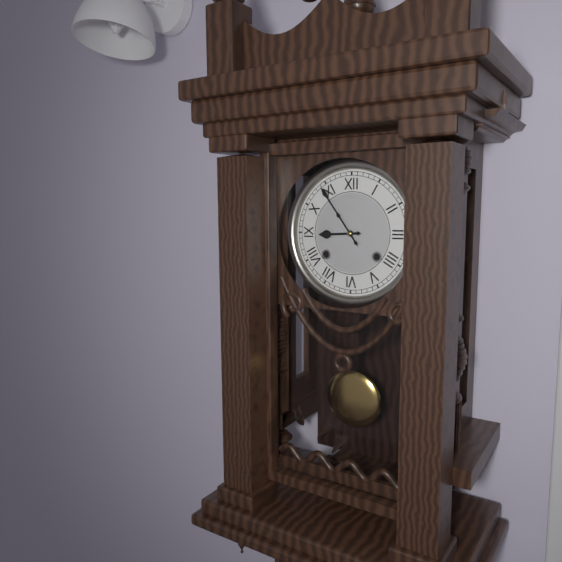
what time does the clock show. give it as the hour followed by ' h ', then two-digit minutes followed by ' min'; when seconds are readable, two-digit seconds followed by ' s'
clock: 8 h 54 min
